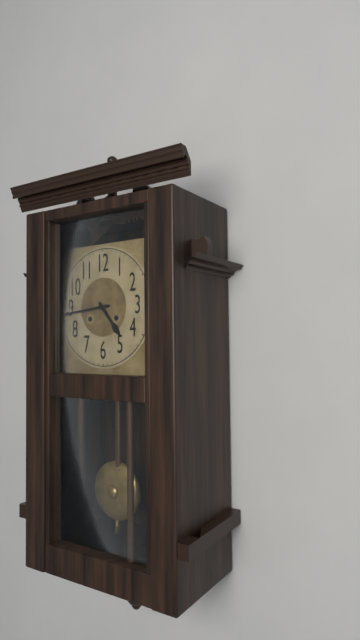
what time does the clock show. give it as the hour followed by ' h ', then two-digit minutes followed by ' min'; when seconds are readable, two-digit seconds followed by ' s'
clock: 4 h 44 min
